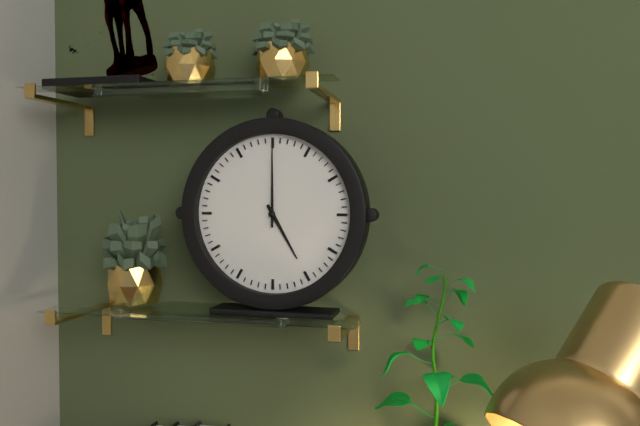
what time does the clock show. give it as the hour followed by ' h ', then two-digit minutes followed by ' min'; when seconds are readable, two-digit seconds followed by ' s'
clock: 5 h 00 min
